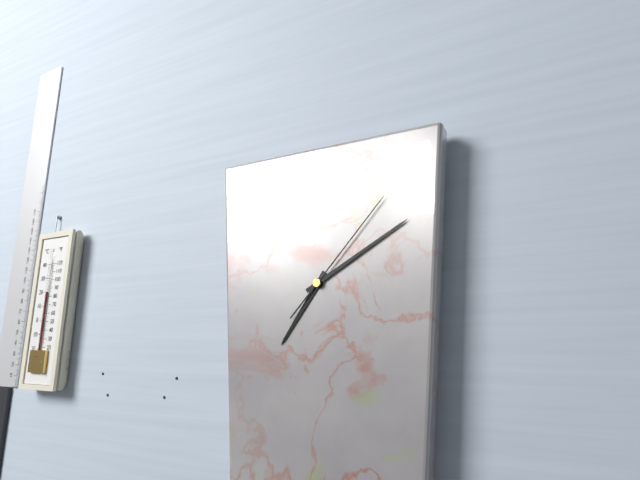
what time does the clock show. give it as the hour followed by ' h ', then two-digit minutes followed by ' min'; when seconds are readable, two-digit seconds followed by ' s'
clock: 7 h 10 min 07 s
